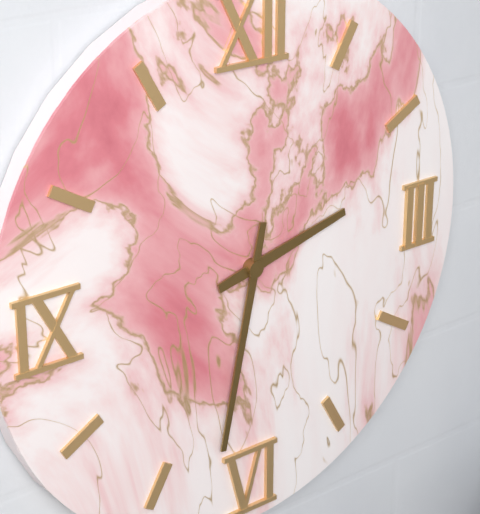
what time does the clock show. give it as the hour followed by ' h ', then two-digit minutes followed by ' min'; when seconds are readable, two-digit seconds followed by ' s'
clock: 2 h 32 min
